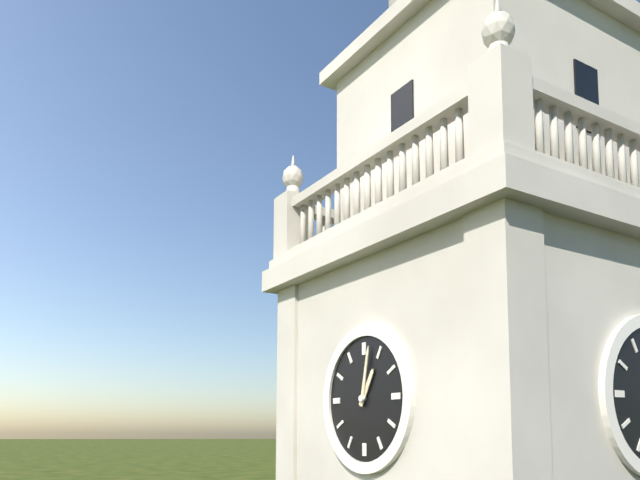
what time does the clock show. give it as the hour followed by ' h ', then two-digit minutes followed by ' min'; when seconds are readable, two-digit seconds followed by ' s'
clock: 1 h 02 min
